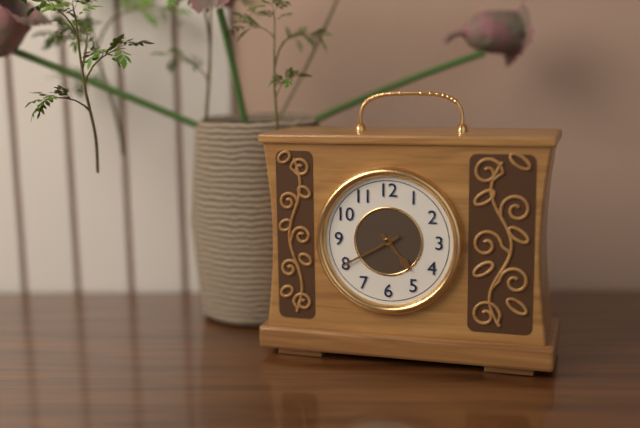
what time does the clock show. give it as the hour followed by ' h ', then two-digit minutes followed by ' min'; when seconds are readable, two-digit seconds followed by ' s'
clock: 4 h 40 min
